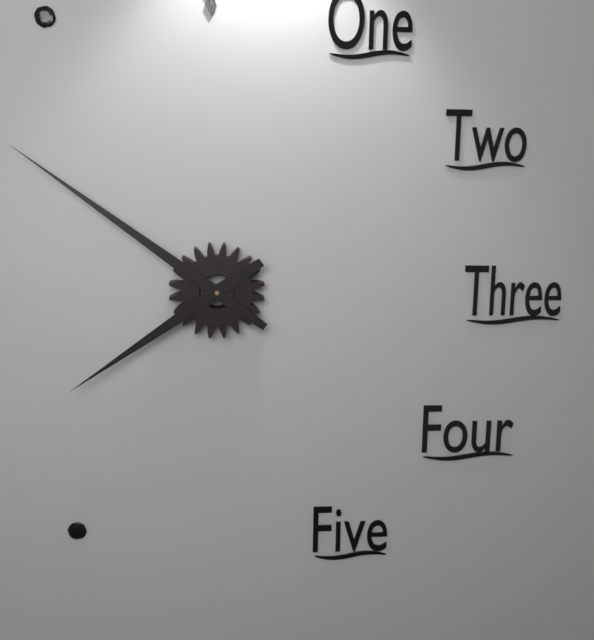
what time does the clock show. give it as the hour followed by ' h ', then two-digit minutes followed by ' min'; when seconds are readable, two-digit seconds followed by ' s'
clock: 7 h 51 min
